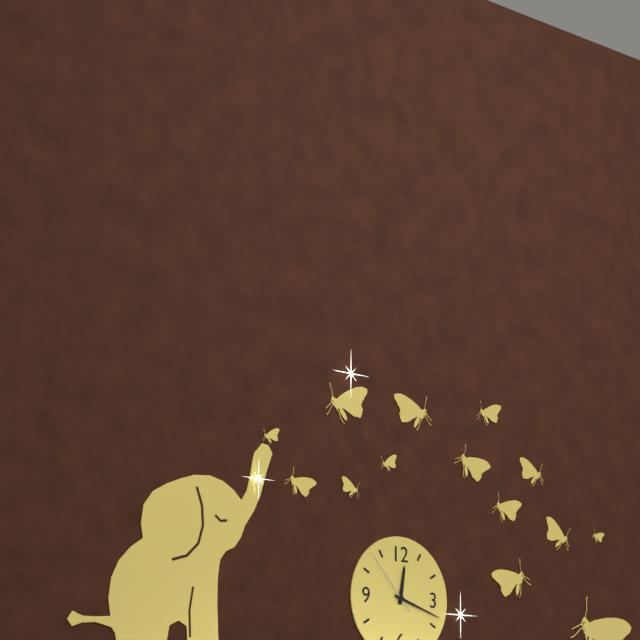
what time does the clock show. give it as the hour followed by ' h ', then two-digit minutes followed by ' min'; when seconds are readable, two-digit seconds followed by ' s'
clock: 12 h 18 min 53 s
